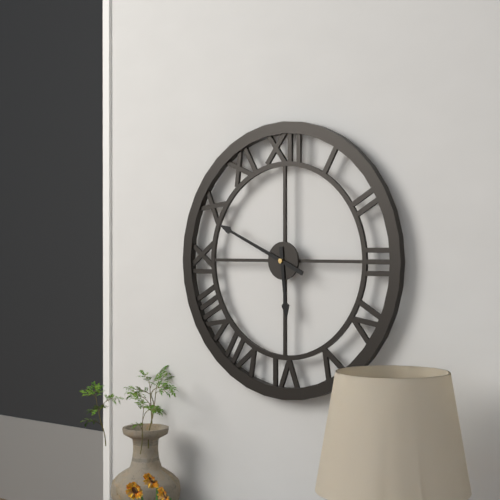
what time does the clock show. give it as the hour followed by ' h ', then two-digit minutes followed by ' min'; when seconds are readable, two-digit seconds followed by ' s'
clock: 5 h 49 min
